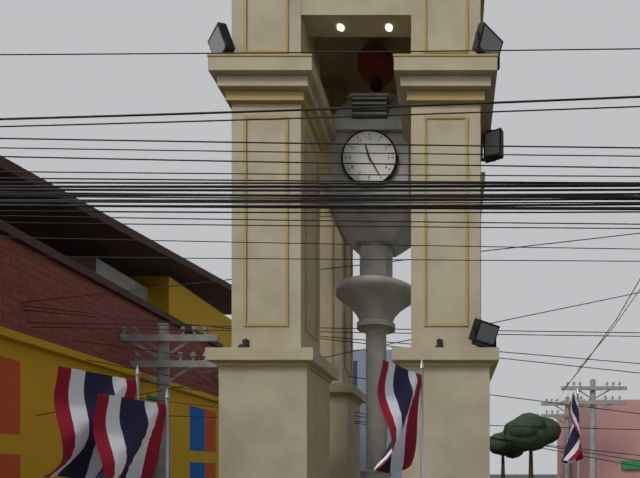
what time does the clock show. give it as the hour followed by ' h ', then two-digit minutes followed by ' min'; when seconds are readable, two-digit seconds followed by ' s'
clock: 11 h 25 min
